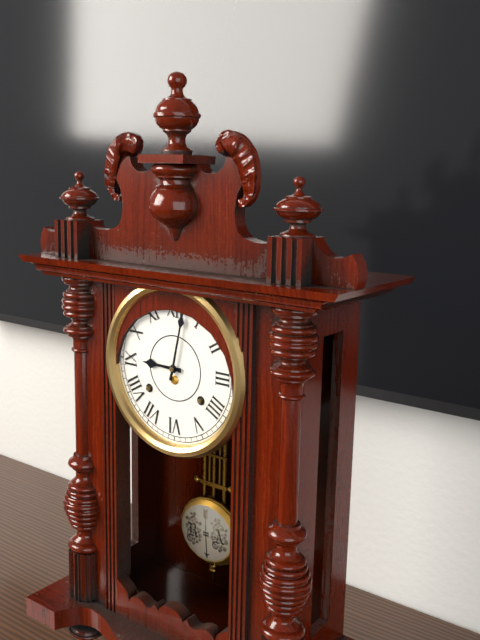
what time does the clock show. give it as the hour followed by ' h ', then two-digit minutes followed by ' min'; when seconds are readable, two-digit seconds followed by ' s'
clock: 9 h 02 min
